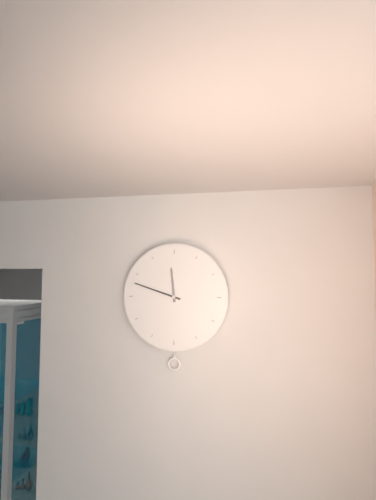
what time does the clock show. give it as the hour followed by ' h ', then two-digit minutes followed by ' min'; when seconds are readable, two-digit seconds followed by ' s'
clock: 11 h 48 min
